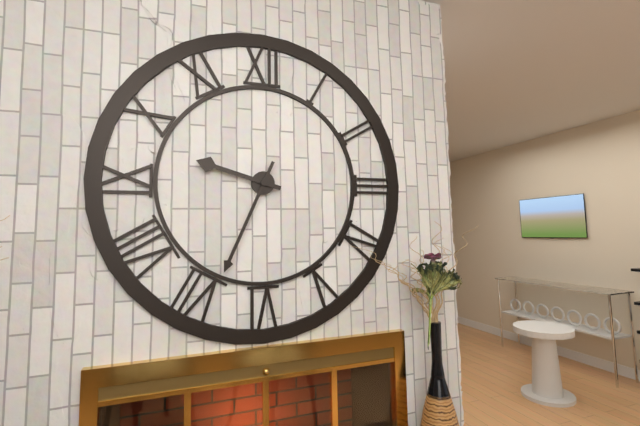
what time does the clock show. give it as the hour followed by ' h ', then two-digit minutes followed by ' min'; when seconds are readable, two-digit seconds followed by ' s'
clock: 9 h 34 min
